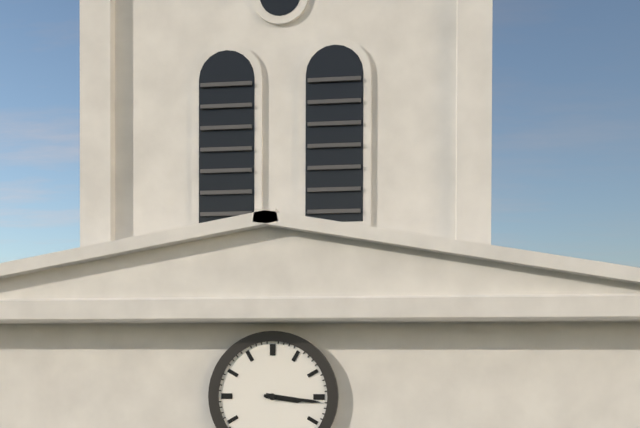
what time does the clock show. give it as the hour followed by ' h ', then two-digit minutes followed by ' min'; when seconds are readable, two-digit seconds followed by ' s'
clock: 3 h 16 min
